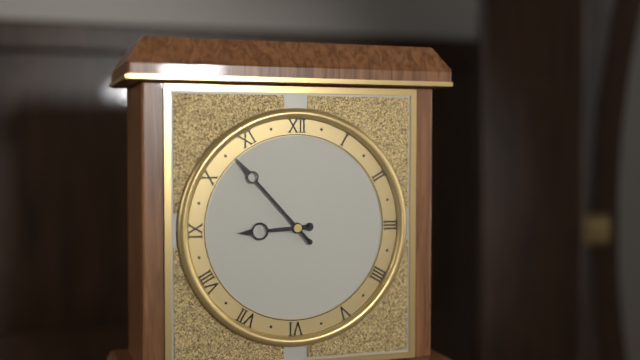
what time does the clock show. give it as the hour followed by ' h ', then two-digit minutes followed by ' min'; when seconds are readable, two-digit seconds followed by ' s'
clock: 8 h 53 min
